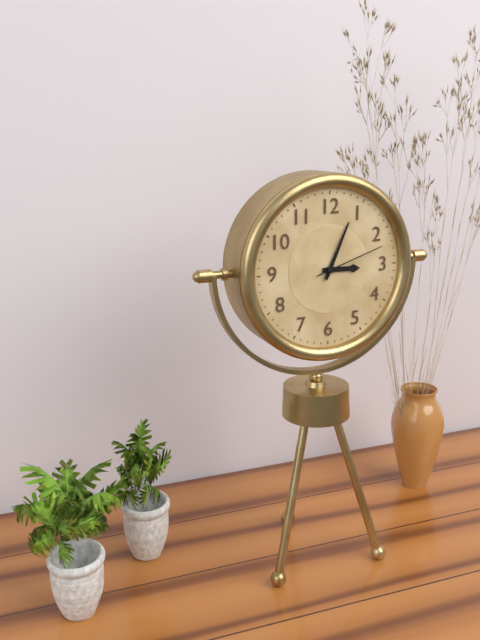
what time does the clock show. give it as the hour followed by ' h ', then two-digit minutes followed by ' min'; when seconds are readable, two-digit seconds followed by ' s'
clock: 3 h 04 min 12 s
